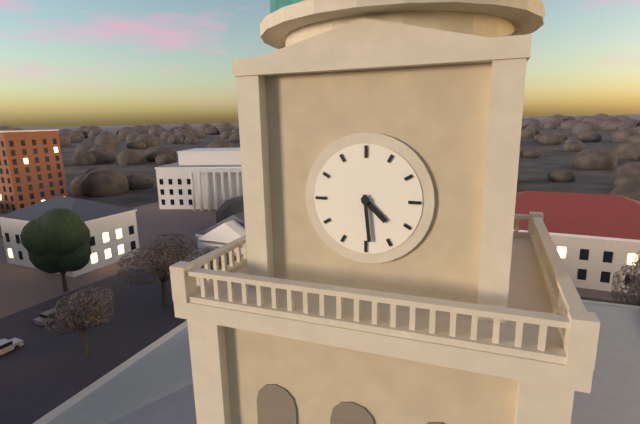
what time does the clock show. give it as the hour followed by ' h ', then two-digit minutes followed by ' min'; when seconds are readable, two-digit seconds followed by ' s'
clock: 4 h 29 min
